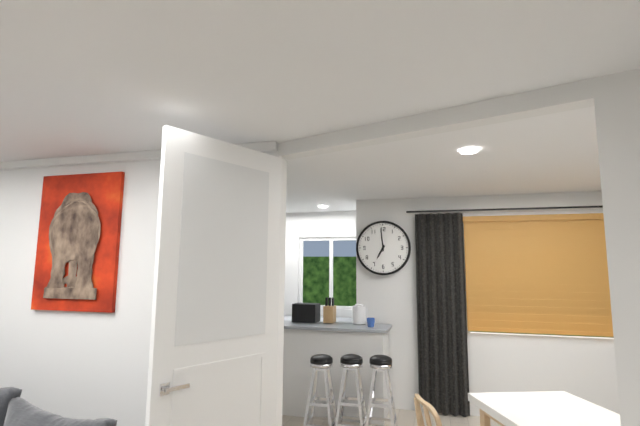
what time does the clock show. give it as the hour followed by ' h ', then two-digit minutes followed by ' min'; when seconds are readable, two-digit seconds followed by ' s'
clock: 6 h 59 min
